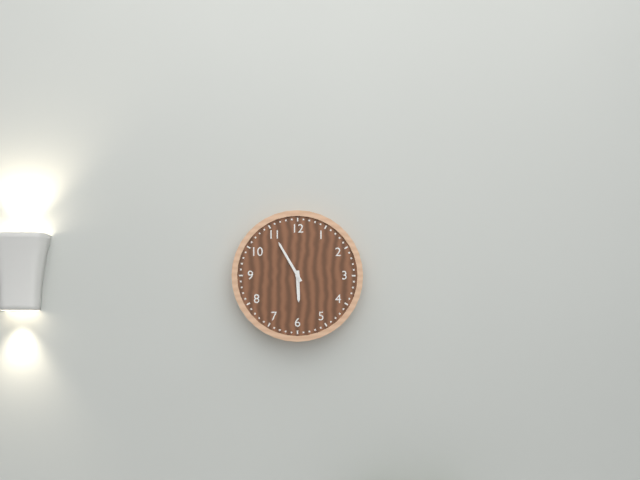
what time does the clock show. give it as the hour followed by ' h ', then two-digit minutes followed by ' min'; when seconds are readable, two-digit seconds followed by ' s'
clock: 5 h 55 min
